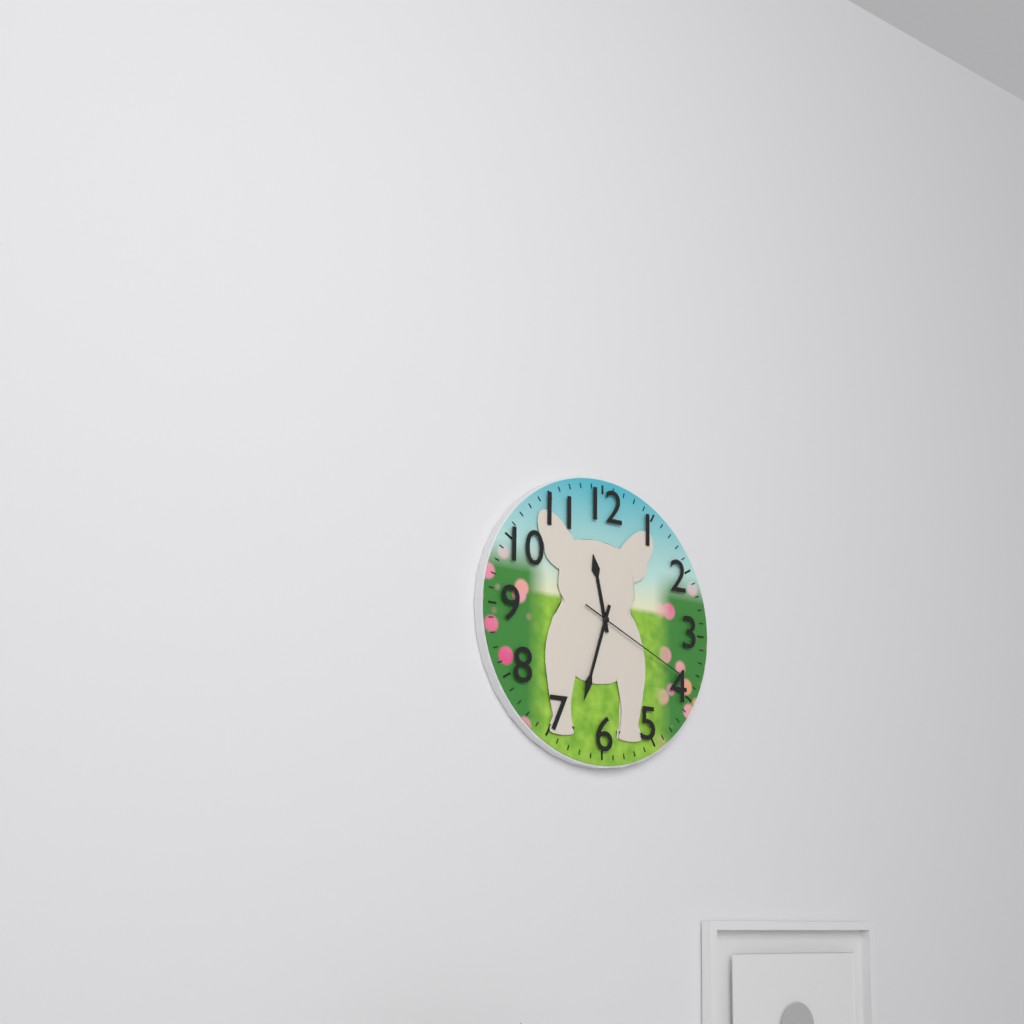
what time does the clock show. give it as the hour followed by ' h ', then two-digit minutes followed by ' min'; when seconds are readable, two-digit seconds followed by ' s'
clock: 11 h 33 min 19 s
